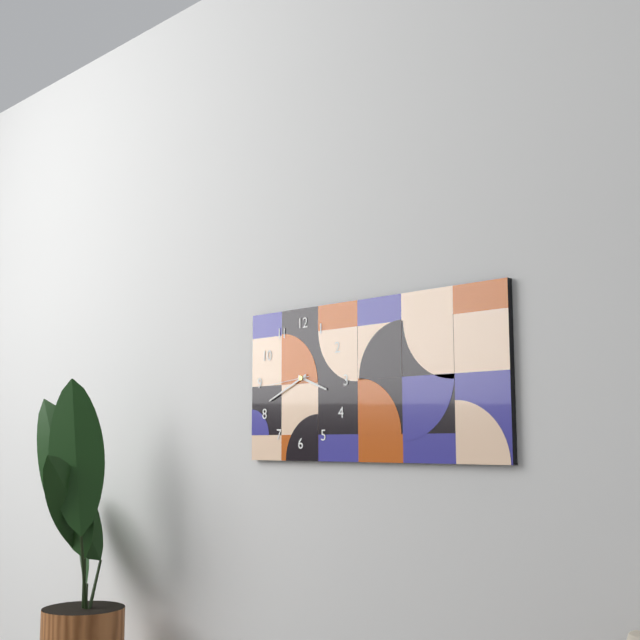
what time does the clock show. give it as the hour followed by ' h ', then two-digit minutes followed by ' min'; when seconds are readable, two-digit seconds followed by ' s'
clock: 3 h 41 min
